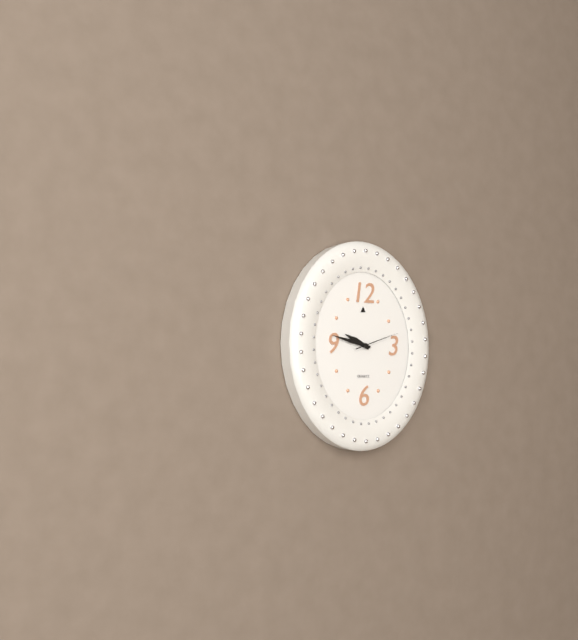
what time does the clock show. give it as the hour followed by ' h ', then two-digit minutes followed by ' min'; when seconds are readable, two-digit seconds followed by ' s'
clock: 9 h 47 min
